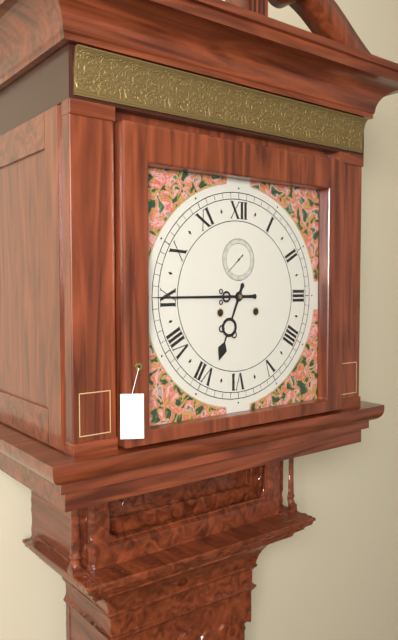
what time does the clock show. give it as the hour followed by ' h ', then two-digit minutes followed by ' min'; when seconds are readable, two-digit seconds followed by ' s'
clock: 6 h 45 min
